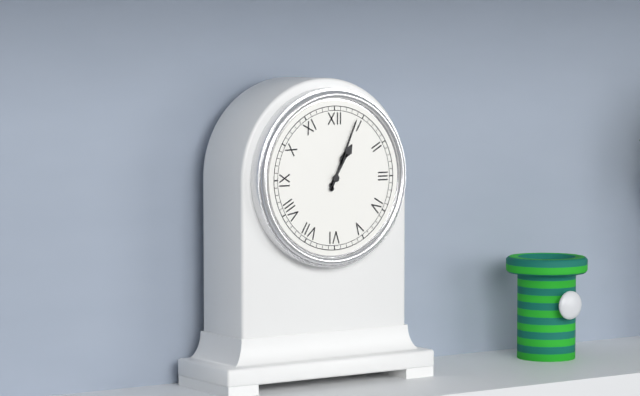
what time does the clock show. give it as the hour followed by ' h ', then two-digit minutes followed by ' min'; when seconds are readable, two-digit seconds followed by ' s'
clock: 1 h 04 min
